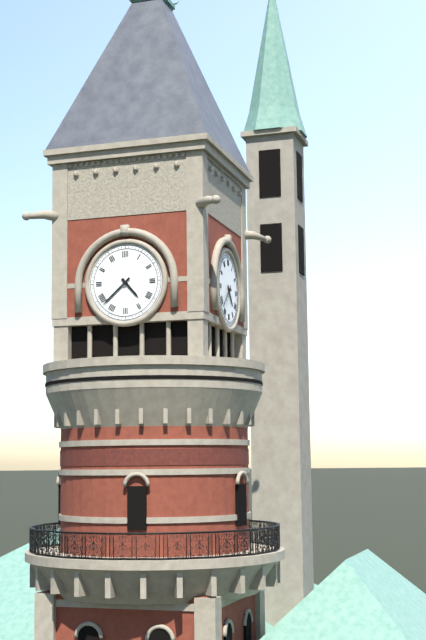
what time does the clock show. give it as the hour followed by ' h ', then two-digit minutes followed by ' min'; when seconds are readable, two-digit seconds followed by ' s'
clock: 4 h 38 min
